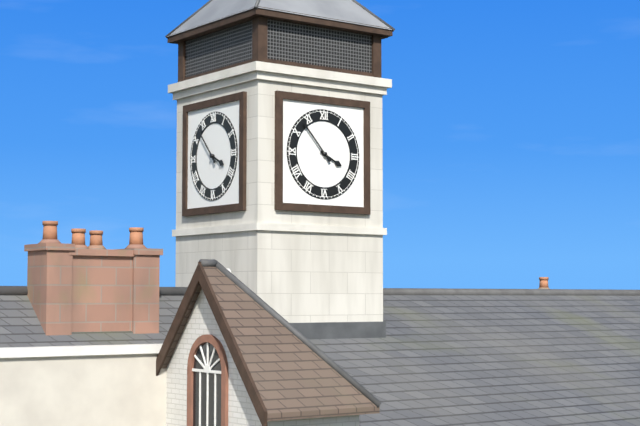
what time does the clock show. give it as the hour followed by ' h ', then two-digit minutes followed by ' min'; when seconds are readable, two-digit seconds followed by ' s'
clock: 3 h 53 min
